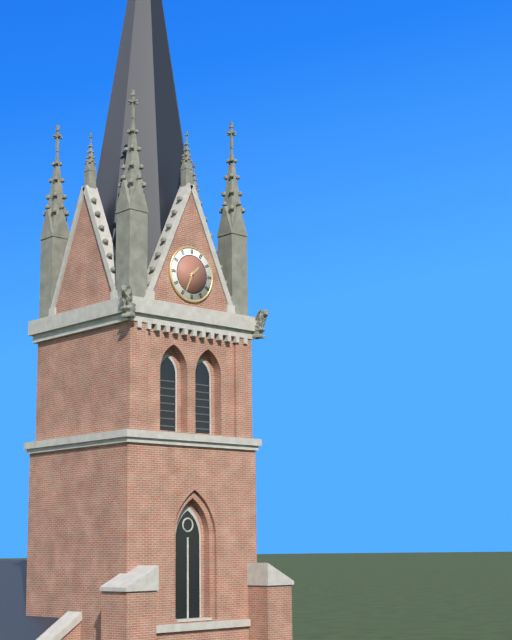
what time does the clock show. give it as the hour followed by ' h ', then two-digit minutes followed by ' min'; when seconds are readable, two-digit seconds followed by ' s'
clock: 1 h 34 min
